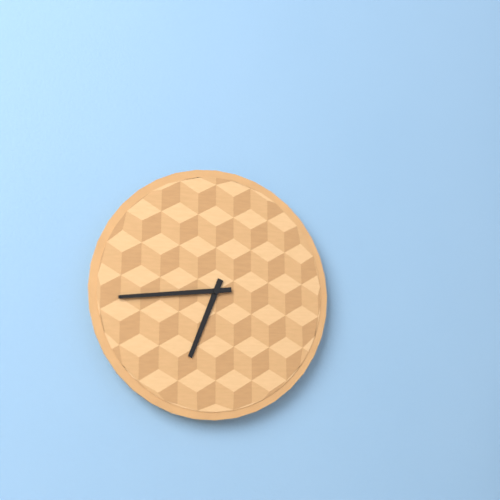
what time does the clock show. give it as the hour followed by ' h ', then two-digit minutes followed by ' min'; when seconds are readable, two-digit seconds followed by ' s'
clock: 6 h 44 min
